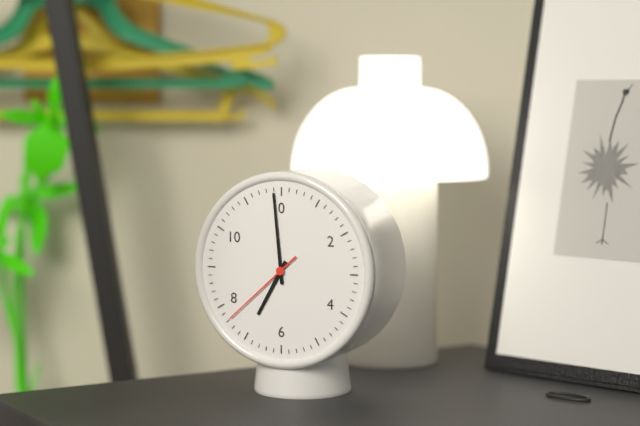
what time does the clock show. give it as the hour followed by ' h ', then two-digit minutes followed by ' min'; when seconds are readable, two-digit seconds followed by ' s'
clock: 6 h 59 min 38 s
